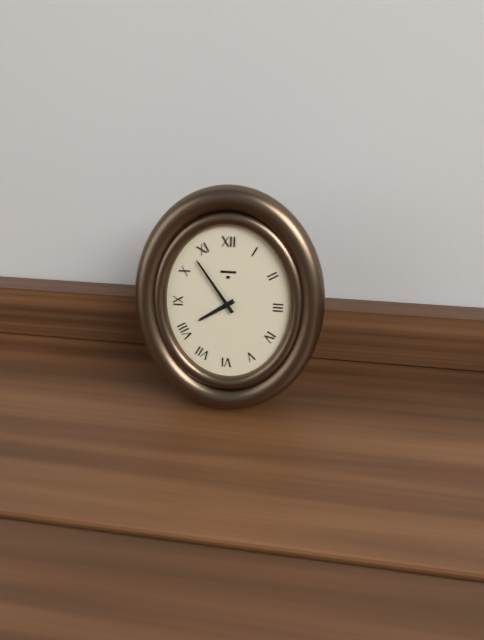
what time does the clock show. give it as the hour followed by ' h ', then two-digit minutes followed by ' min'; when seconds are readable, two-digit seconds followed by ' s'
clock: 7 h 54 min
